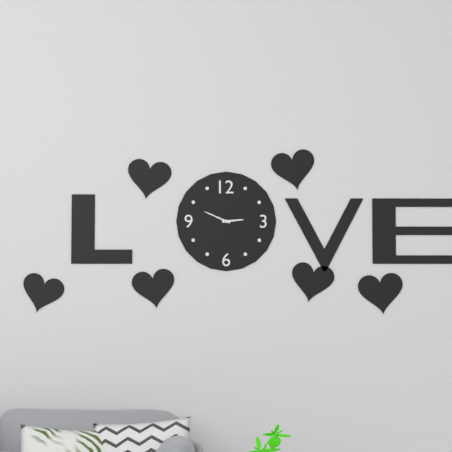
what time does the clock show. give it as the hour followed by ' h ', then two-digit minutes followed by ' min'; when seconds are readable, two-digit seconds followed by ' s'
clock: 2 h 49 min
